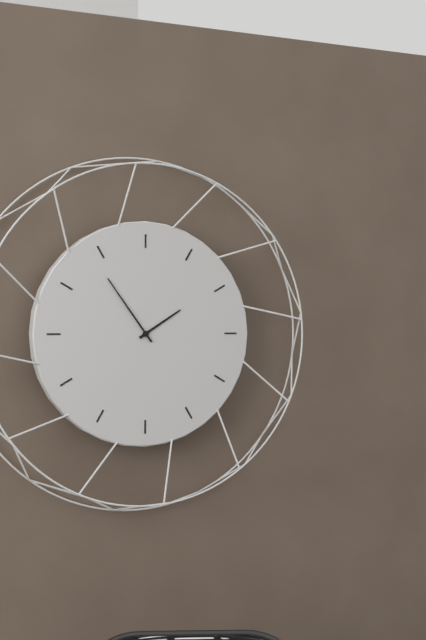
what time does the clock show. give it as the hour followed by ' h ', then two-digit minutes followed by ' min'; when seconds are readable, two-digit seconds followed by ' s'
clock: 1 h 54 min
